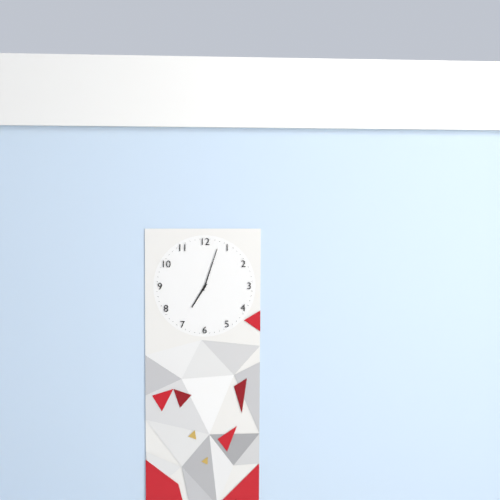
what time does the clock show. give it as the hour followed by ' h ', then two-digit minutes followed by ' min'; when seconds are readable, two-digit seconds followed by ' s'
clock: 7 h 03 min
